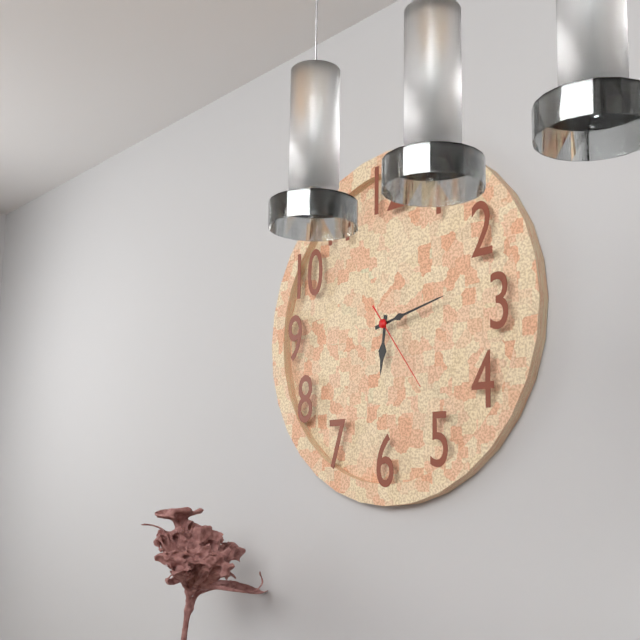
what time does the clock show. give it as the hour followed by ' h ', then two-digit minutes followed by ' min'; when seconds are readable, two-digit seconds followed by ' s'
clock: 6 h 13 min 24 s
